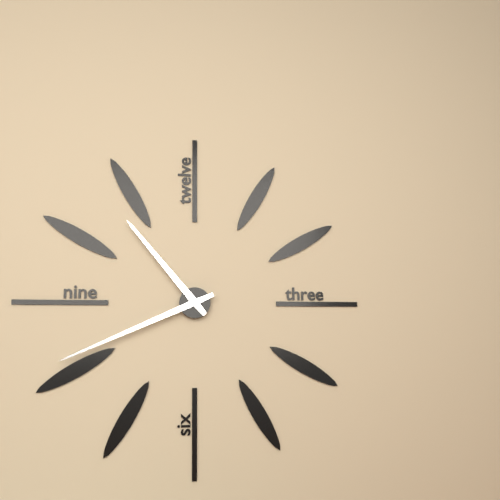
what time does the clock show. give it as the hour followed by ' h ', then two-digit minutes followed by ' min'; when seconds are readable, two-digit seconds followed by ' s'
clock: 10 h 41 min
